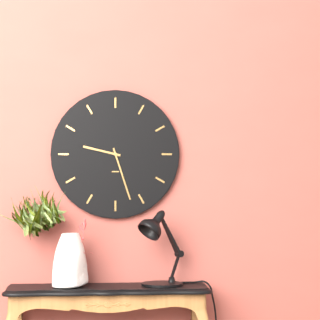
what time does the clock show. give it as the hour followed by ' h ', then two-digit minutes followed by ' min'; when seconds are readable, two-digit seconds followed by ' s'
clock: 9 h 27 min
